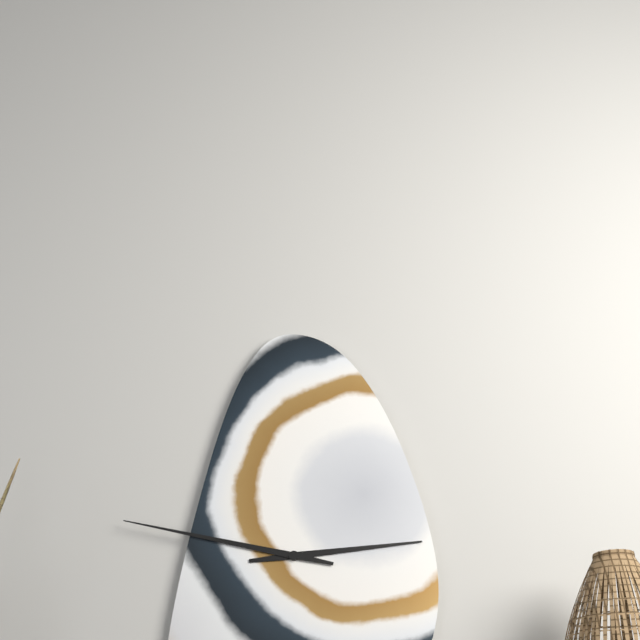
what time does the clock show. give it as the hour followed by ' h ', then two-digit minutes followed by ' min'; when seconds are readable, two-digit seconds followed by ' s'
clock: 2 h 47 min
